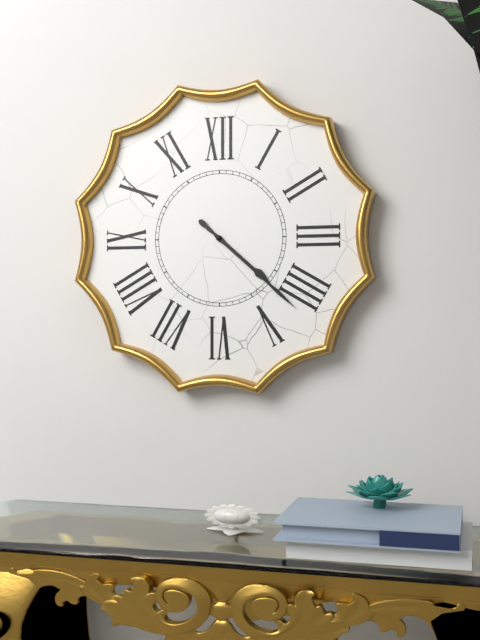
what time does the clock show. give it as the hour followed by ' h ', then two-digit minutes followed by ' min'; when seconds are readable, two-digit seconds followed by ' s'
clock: 4 h 22 min
